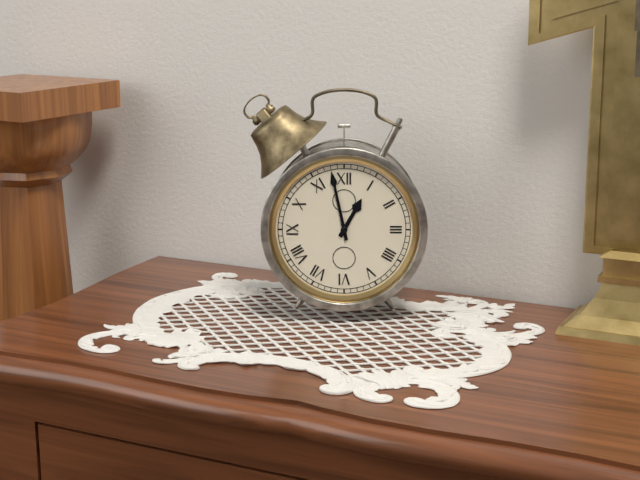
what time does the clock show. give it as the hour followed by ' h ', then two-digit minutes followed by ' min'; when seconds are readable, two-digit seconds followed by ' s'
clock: 12 h 58 min
